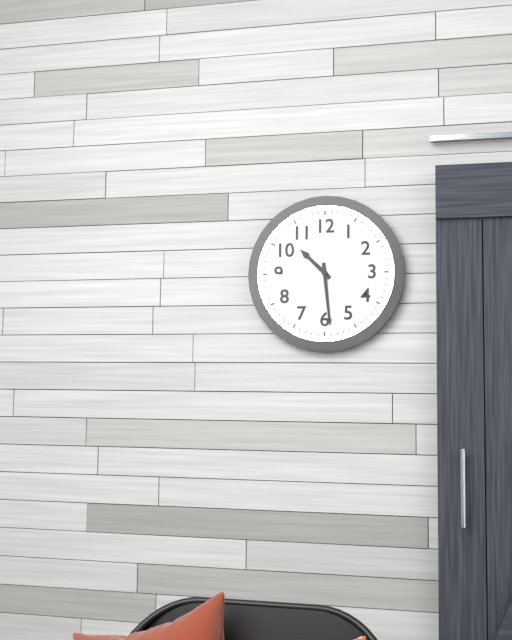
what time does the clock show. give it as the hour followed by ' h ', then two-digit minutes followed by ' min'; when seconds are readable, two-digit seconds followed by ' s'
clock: 10 h 29 min
